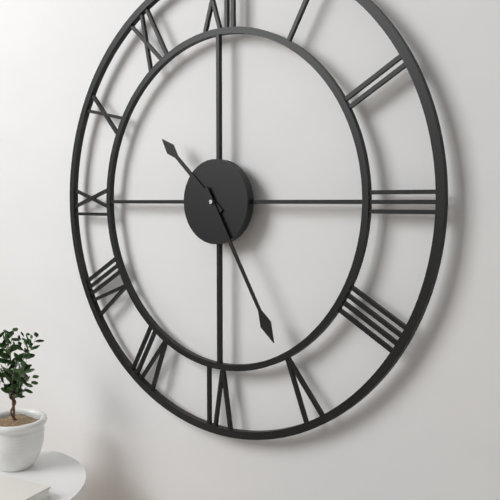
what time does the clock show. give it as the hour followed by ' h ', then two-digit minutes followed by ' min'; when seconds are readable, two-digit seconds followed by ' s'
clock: 10 h 25 min
